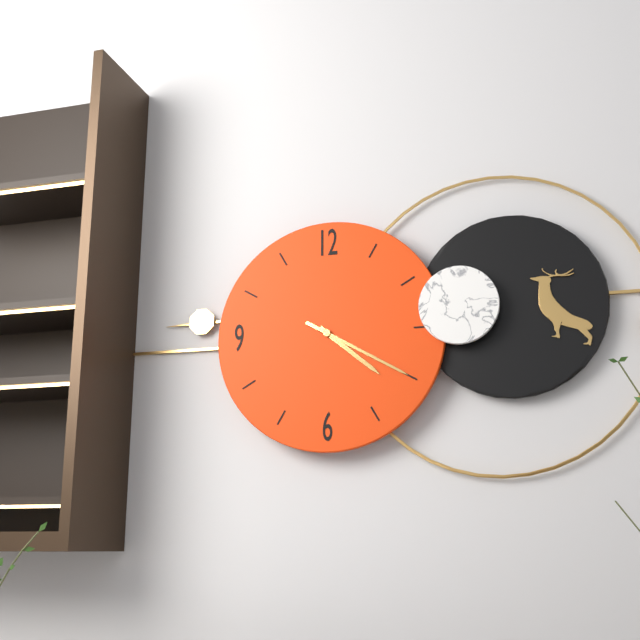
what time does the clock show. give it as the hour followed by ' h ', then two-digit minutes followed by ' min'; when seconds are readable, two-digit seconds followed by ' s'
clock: 4 h 20 min
